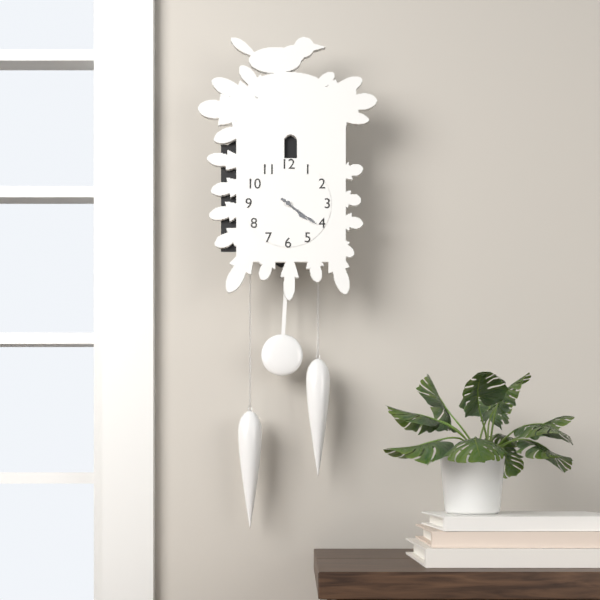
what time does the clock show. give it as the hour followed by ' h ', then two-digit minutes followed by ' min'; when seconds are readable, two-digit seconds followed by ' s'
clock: 4 h 21 min
